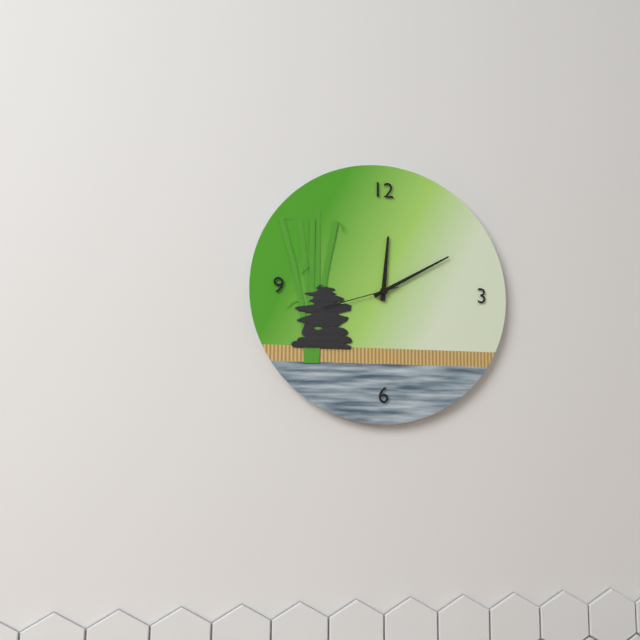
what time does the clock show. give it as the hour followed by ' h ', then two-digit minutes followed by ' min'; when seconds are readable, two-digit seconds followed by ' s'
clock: 12 h 10 min 42 s
